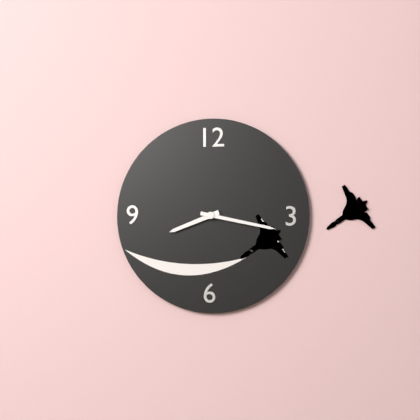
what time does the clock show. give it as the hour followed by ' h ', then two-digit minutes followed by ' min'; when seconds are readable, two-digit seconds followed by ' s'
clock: 8 h 17 min
